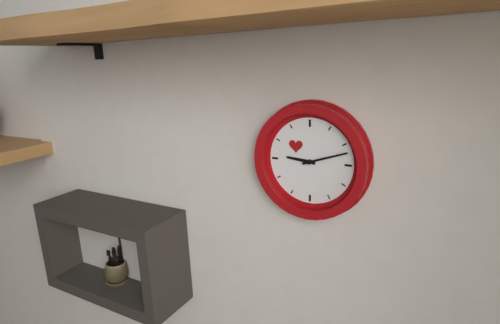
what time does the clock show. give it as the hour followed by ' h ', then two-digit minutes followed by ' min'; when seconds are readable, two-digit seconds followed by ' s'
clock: 9 h 12 min
